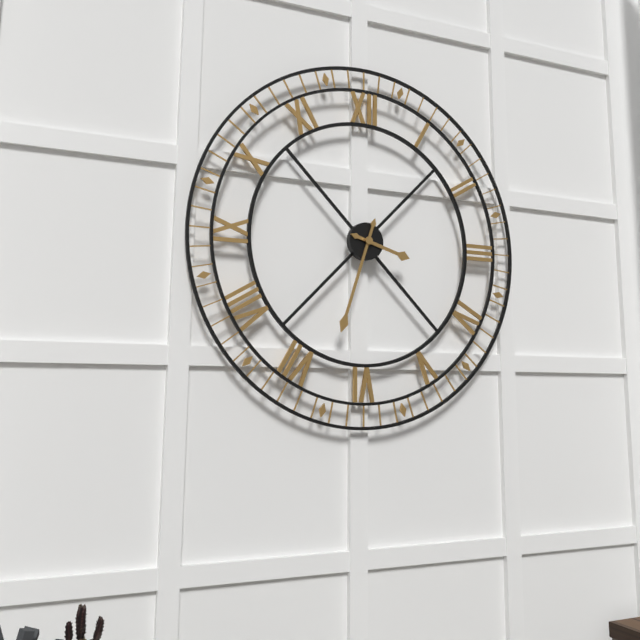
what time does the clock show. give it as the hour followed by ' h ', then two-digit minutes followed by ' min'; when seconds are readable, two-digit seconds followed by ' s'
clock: 3 h 33 min
